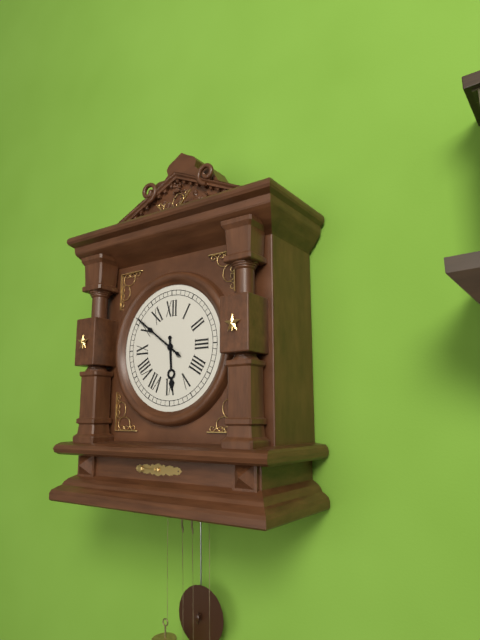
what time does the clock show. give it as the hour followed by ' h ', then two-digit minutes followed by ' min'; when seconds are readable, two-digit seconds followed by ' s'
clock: 5 h 51 min
